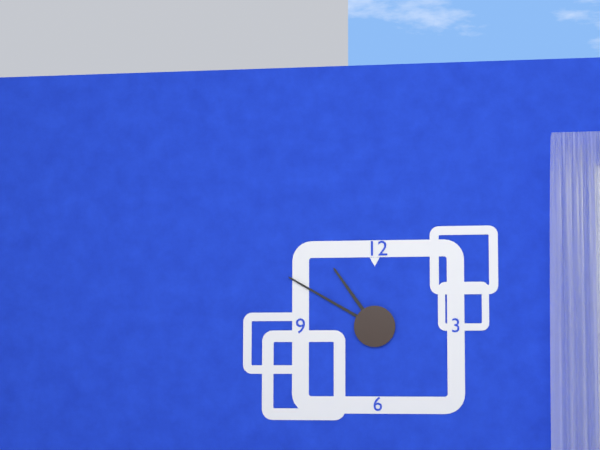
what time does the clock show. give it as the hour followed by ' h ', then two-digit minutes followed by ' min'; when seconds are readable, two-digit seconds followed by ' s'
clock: 10 h 50 min
